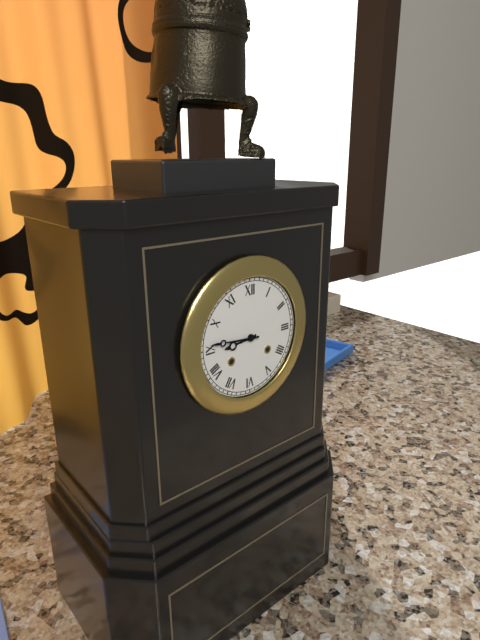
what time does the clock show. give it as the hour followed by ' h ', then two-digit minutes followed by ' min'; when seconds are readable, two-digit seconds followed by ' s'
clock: 8 h 46 min
